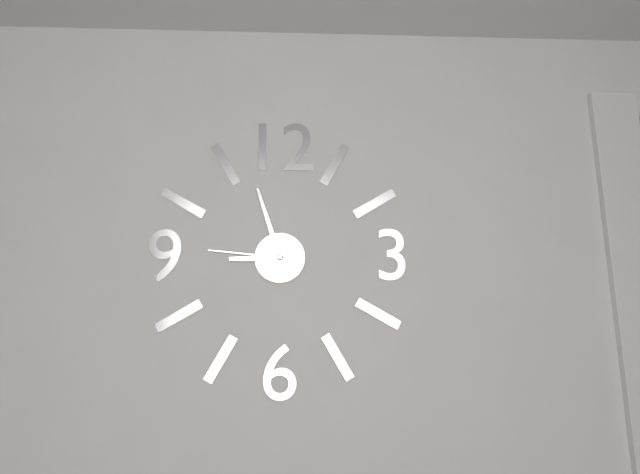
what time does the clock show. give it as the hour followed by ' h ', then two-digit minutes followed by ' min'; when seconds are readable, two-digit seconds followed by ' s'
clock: 8 h 57 min 46 s
